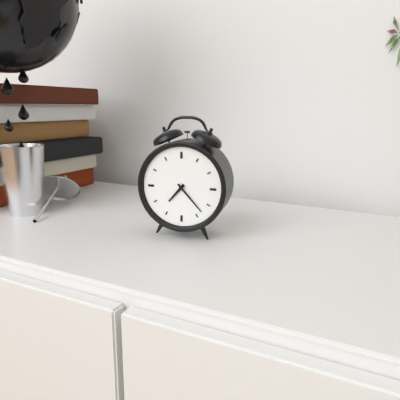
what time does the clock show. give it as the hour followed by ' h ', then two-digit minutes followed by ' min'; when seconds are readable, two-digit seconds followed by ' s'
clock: 7 h 23 min
